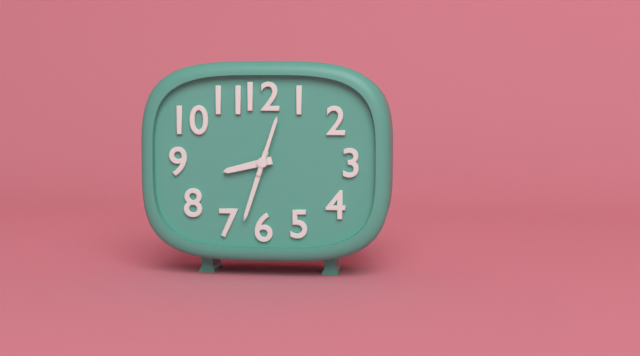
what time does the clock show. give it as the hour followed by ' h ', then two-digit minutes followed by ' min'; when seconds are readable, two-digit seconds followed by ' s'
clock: 8 h 33 min 03 s
